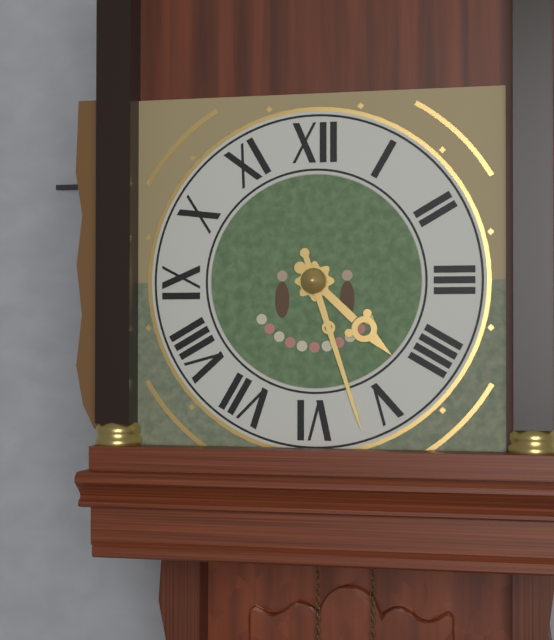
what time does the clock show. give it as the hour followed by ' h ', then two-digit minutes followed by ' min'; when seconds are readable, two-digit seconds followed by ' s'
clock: 4 h 27 min
